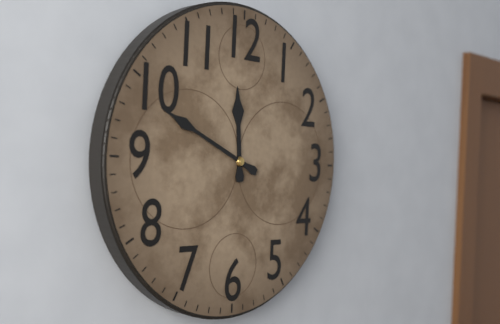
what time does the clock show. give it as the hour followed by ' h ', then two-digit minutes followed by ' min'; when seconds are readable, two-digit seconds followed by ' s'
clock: 11 h 49 min
